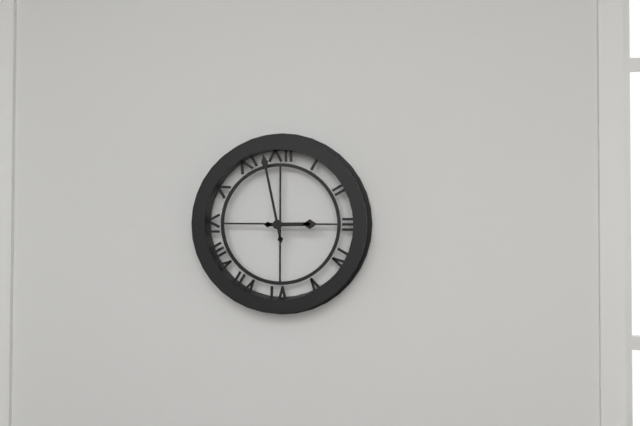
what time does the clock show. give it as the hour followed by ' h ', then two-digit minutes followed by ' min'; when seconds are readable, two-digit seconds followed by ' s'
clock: 2 h 58 min
